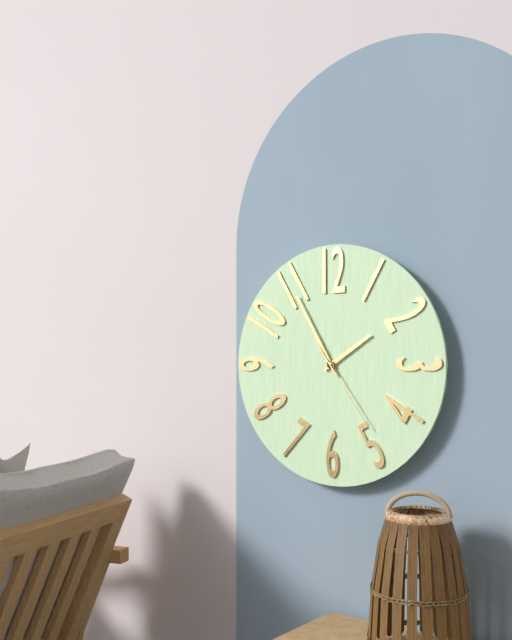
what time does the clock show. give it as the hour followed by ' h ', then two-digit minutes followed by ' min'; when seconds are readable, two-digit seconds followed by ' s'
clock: 1 h 55 min 24 s
